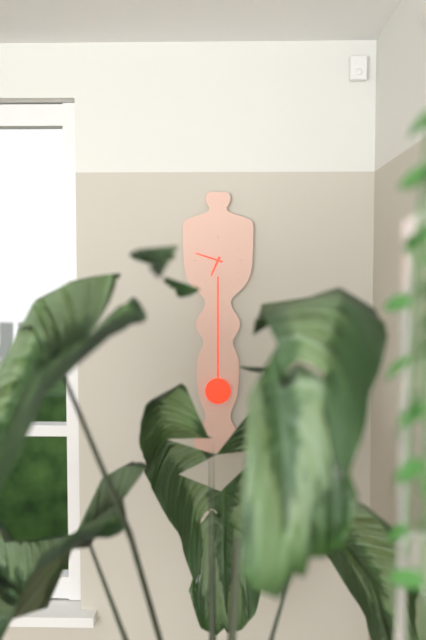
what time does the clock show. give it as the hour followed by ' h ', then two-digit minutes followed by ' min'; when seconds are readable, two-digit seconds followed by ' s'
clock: 6 h 48 min
